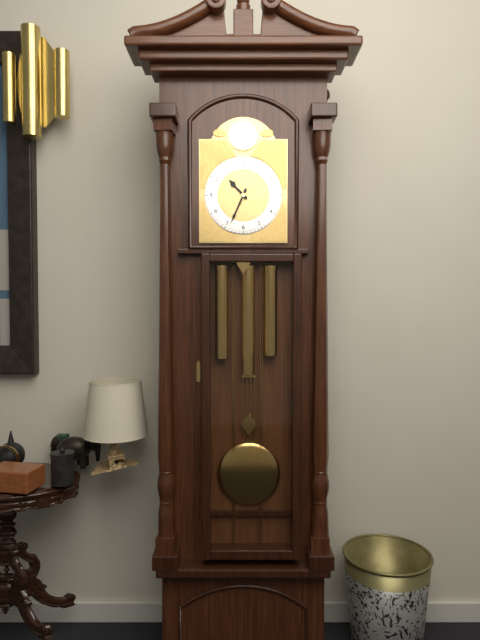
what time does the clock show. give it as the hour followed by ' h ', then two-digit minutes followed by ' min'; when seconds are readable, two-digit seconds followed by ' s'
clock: 10 h 34 min
